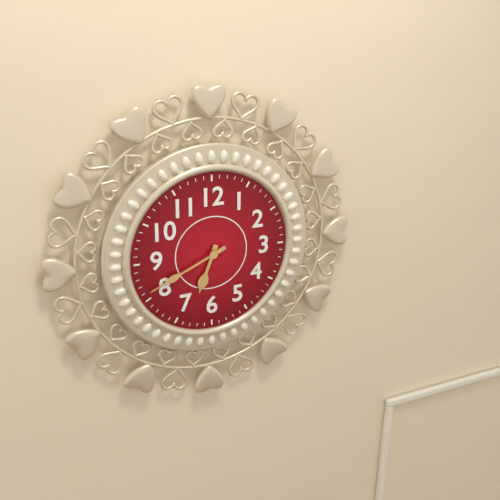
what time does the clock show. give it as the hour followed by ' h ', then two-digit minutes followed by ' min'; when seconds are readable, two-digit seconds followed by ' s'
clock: 6 h 41 min
